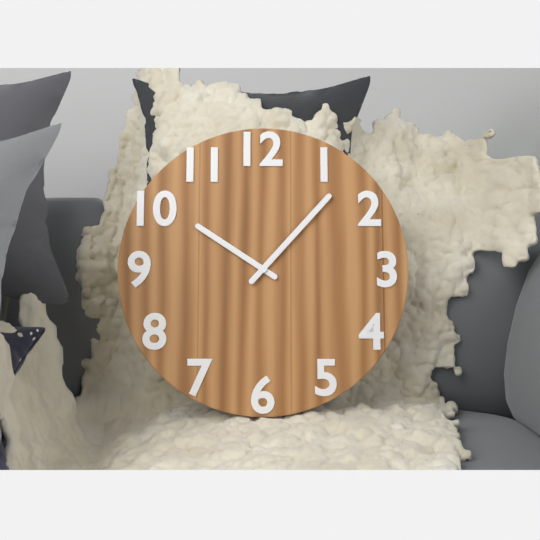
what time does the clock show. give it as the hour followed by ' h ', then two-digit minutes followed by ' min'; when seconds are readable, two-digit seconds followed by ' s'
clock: 10 h 07 min
